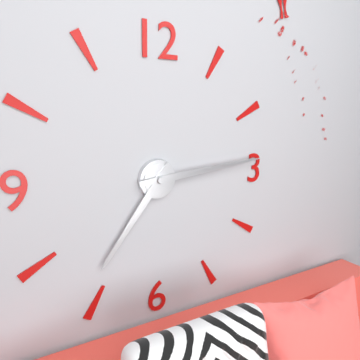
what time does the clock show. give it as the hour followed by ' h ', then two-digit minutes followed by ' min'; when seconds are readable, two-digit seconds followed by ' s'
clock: 7 h 14 min
